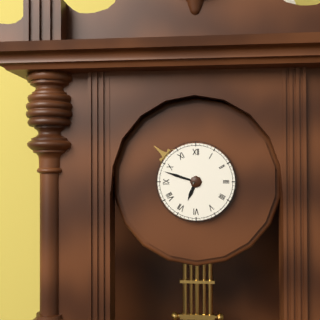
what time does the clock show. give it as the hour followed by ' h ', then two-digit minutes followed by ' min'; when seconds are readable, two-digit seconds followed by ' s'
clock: 6 h 48 min
